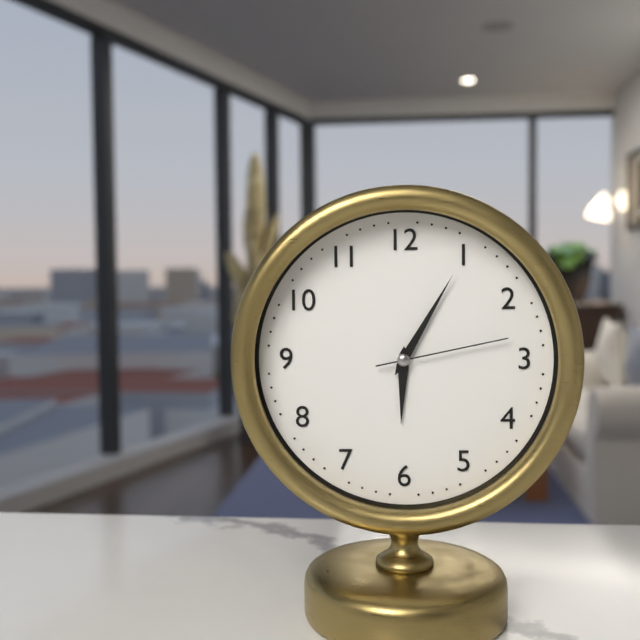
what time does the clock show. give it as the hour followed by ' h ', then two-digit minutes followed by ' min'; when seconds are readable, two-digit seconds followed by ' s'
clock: 6 h 05 min 13 s
